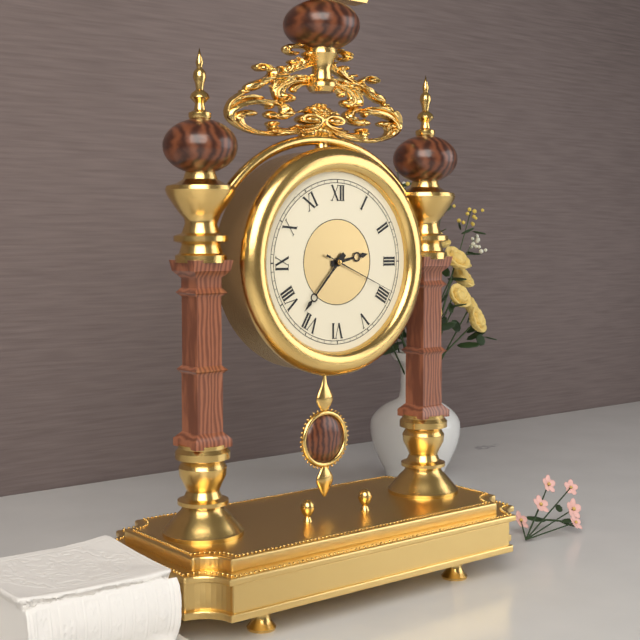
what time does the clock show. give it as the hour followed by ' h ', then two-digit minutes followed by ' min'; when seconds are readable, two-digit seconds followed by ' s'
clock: 2 h 37 min 19 s
